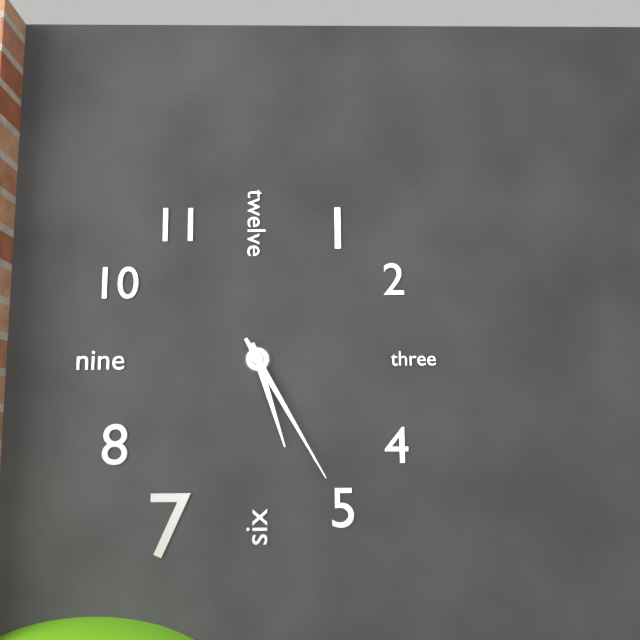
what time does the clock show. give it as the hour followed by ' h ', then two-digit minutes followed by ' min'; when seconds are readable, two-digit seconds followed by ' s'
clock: 5 h 25 min
